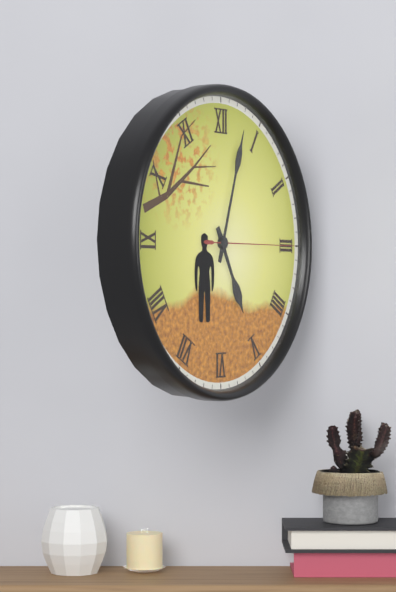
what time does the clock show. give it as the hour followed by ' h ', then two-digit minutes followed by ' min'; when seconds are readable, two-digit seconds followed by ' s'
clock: 5 h 03 min 15 s
